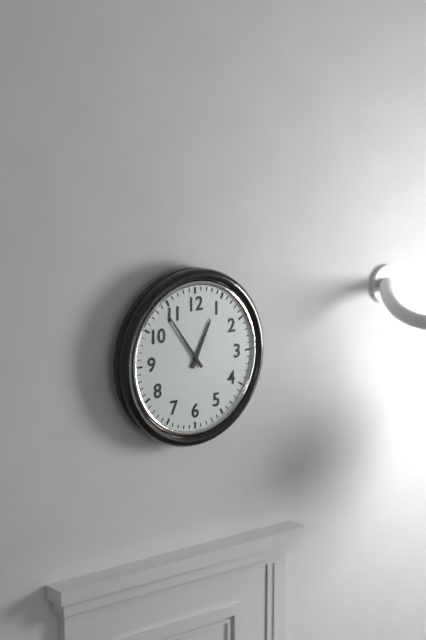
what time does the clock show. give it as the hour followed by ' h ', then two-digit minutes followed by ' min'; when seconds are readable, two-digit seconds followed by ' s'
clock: 12 h 54 min
